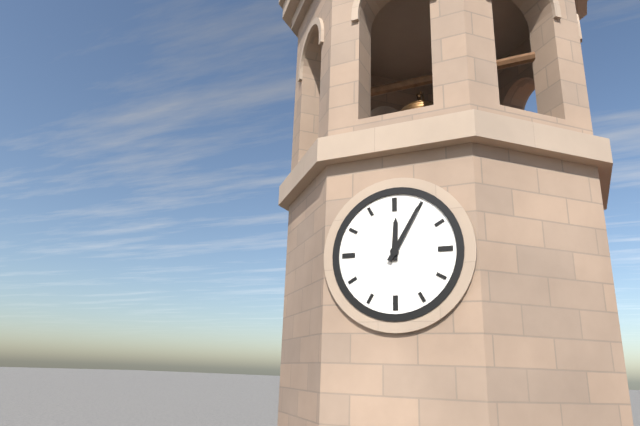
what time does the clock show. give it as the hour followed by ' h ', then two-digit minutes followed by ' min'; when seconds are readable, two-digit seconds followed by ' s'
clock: 12 h 05 min
